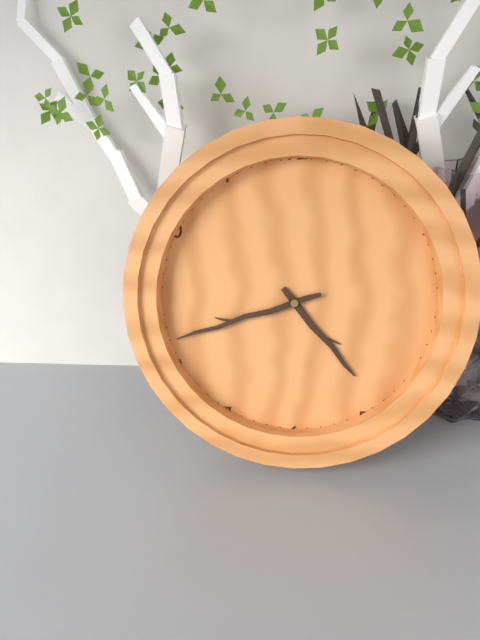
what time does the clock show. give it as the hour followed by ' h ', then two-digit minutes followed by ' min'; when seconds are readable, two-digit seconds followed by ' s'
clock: 4 h 42 min
